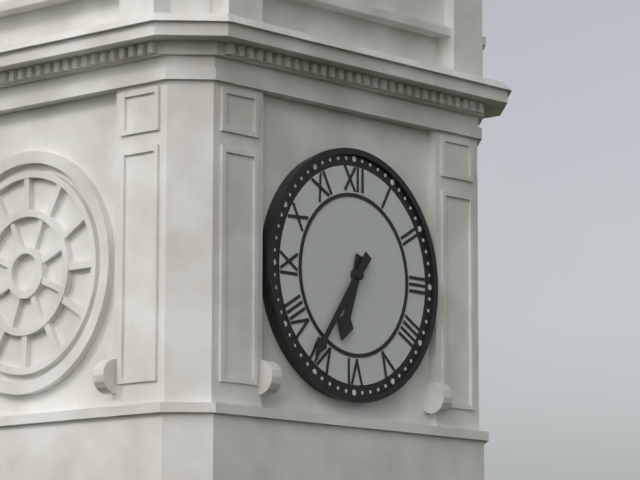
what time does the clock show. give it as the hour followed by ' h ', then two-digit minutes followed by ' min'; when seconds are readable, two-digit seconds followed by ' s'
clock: 6 h 36 min
